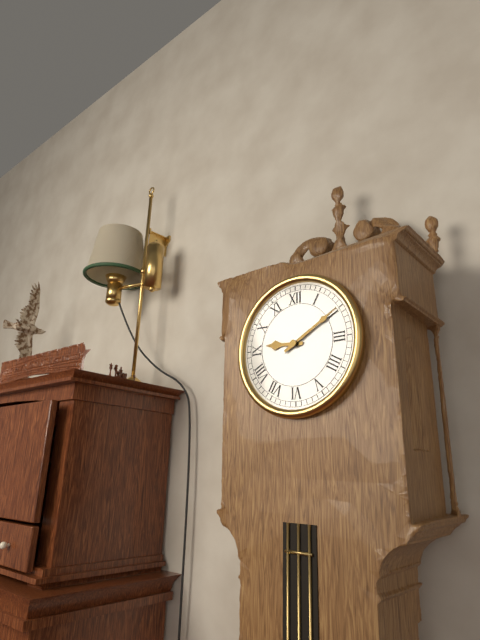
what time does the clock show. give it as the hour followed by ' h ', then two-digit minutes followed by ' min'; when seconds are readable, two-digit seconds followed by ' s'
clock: 9 h 10 min
